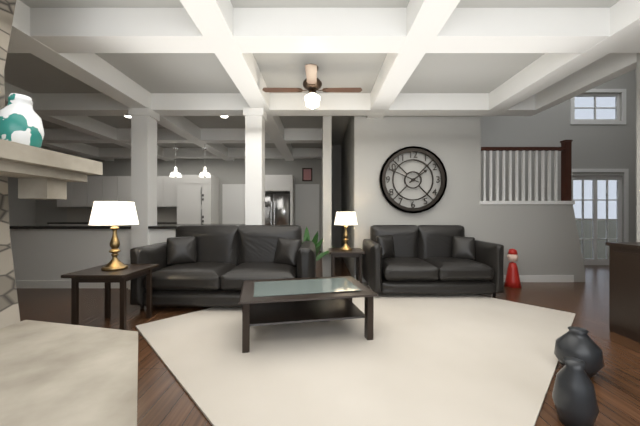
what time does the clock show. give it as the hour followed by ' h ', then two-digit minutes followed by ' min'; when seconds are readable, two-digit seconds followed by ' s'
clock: 1 h 49 min
